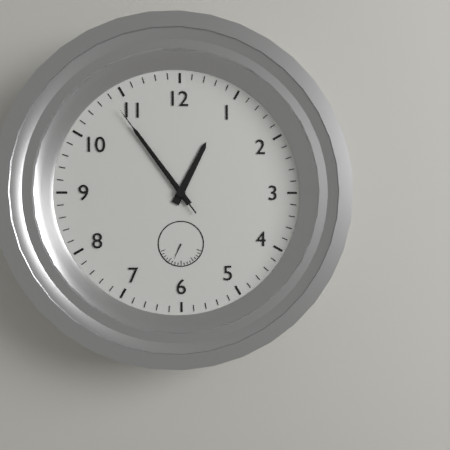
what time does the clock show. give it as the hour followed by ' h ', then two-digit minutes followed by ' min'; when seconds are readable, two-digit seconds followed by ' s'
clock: 12 h 54 min 54 s
